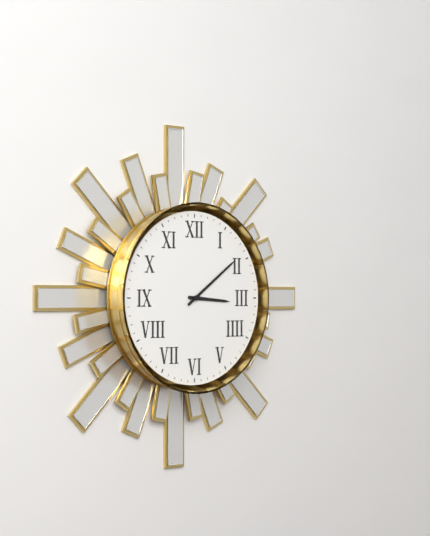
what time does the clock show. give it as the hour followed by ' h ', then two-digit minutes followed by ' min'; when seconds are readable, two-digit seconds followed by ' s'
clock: 3 h 09 min
